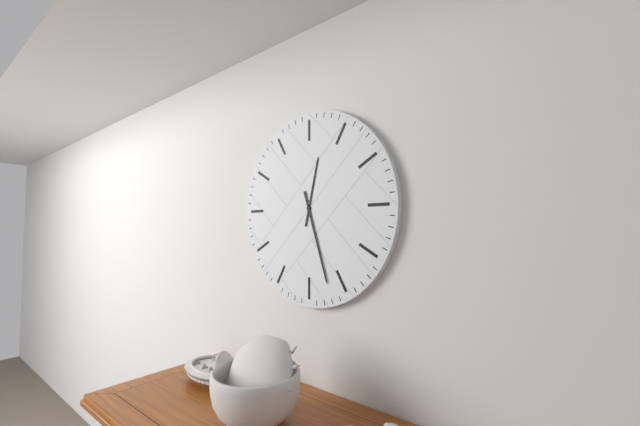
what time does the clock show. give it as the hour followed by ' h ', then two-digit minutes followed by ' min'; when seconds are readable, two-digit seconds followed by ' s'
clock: 12 h 27 min
